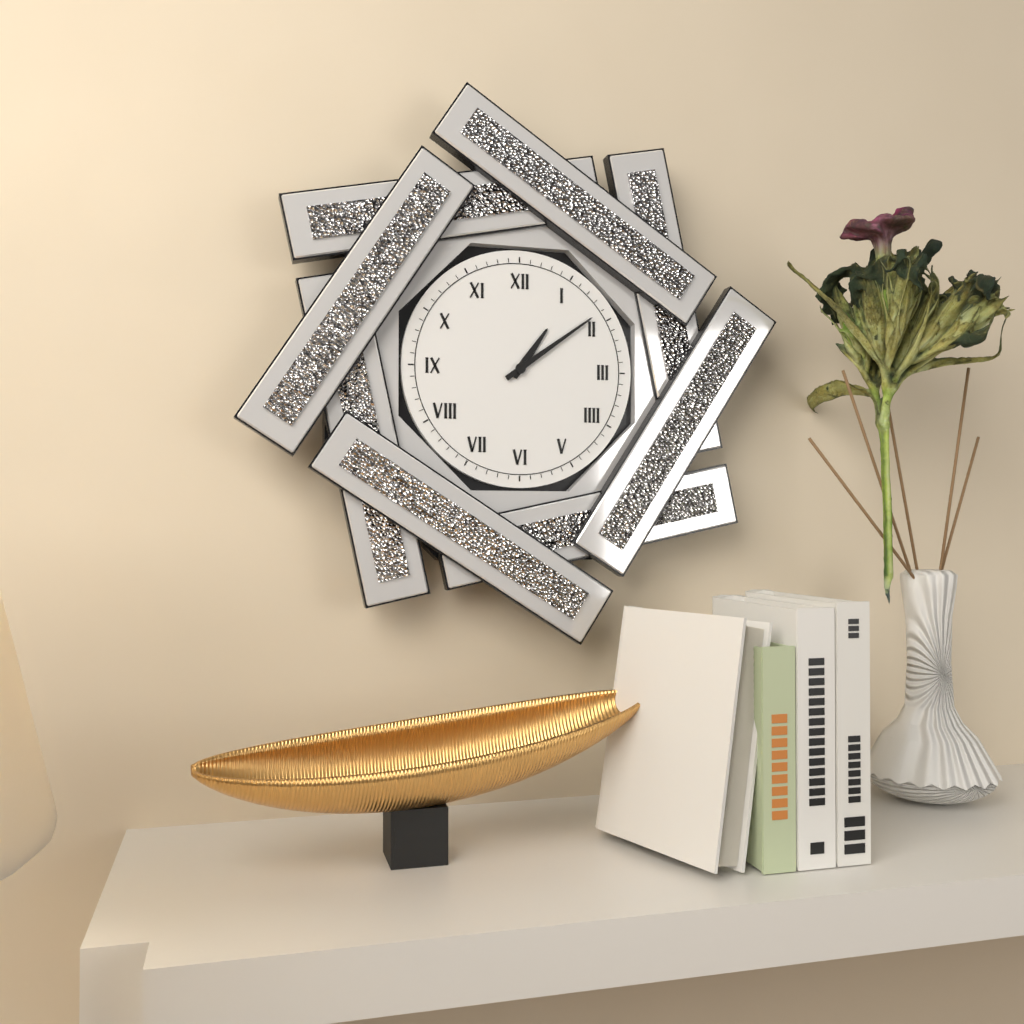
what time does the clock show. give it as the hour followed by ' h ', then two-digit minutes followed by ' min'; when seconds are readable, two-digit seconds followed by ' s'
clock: 1 h 09 min
